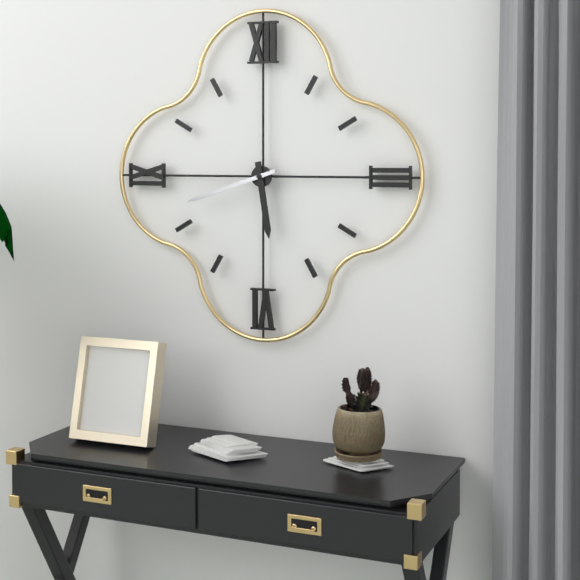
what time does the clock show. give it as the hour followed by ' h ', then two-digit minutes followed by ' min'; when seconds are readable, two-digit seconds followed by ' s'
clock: 5 h 42 min
